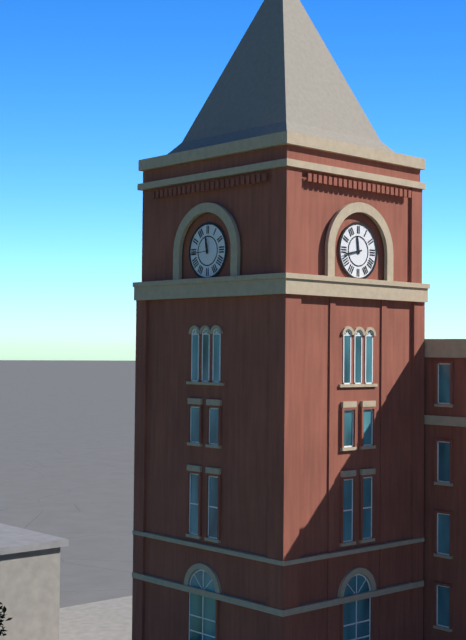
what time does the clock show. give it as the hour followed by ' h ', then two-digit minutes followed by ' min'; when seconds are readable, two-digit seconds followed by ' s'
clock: 11 h 43 min
